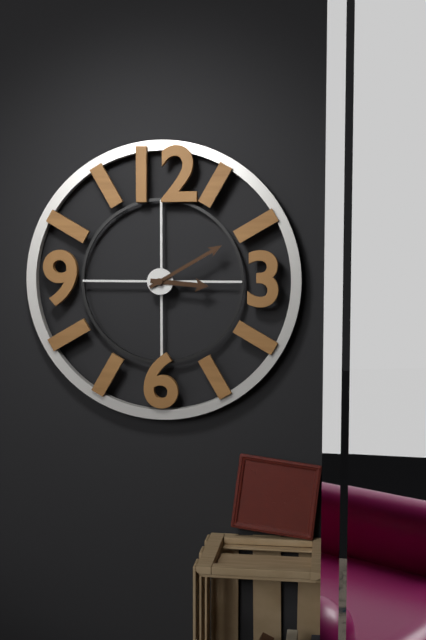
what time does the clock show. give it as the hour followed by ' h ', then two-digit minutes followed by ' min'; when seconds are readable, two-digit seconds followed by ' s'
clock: 3 h 10 min
